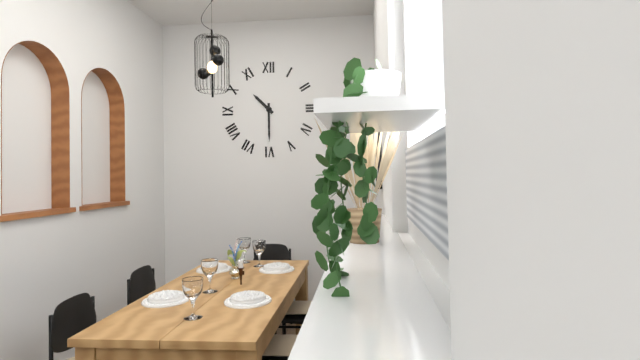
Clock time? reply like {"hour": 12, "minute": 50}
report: {"hour": 10, "minute": 30}
